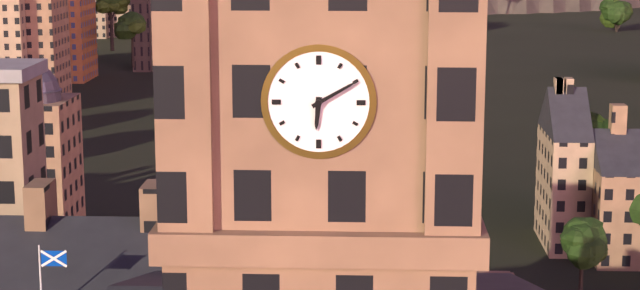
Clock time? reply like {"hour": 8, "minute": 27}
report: {"hour": 6, "minute": 10}
